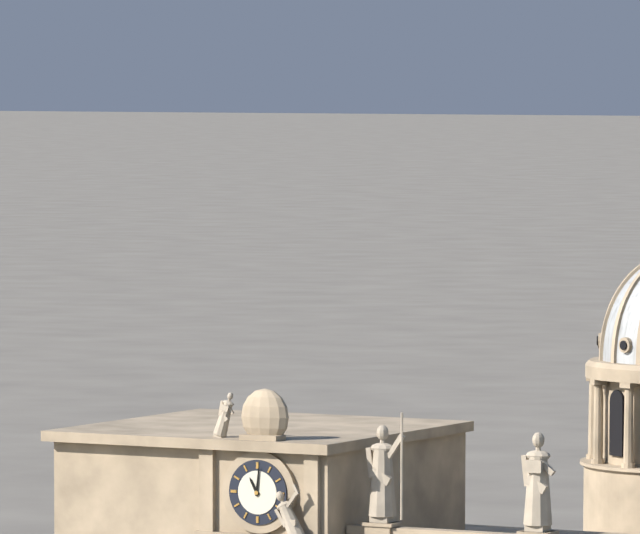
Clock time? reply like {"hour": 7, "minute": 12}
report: {"hour": 11, "minute": 1}
